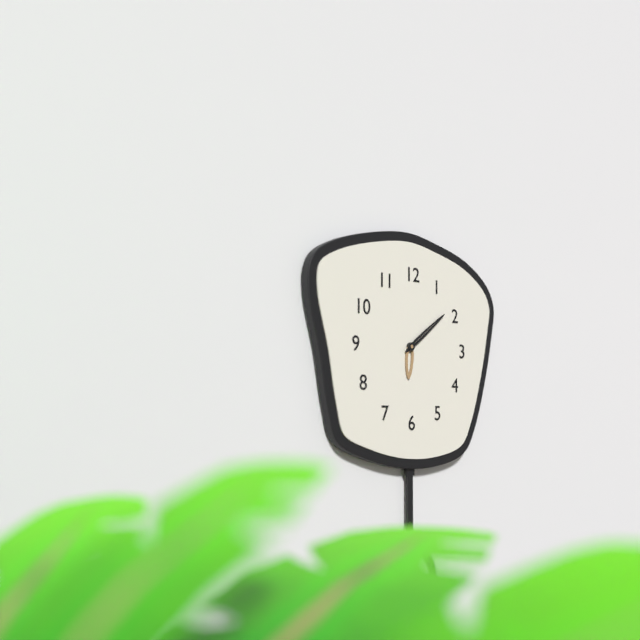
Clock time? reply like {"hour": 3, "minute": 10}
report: {"hour": 6, "minute": 9}
